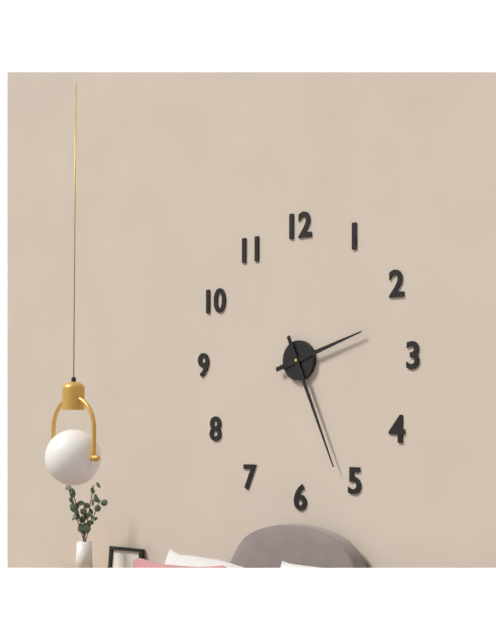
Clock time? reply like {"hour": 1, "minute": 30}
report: {"hour": 2, "minute": 26}
